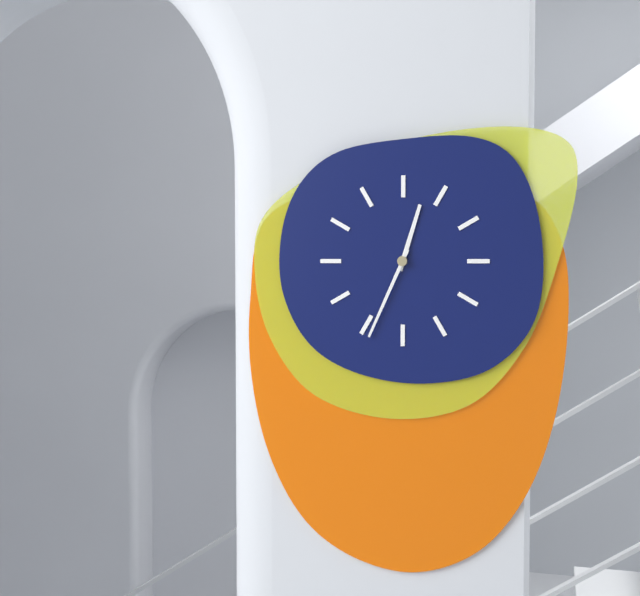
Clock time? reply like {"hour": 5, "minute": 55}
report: {"hour": 12, "minute": 34}
